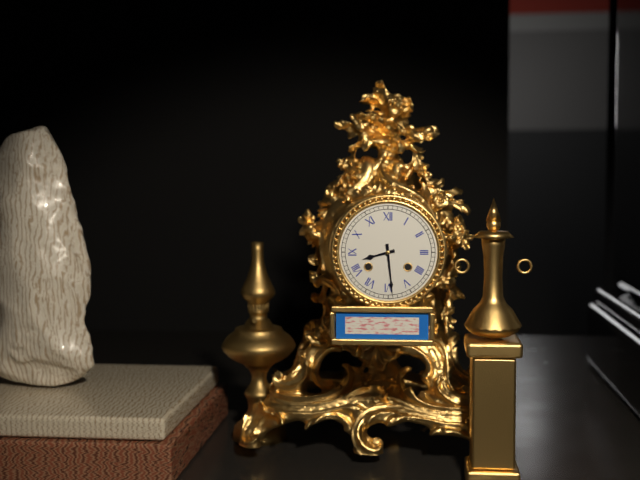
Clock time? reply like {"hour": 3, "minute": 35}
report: {"hour": 8, "minute": 29}
